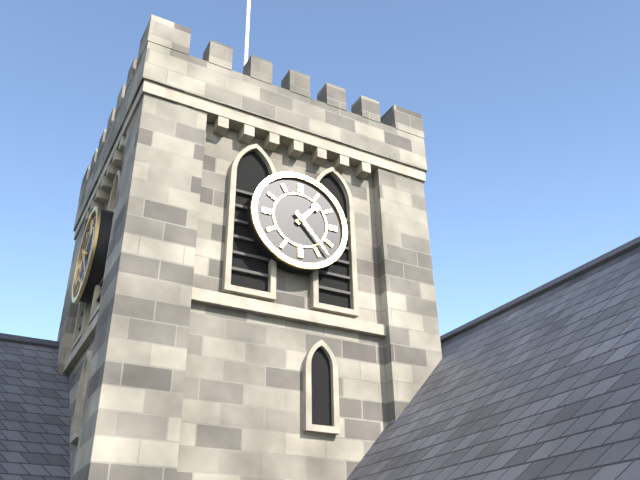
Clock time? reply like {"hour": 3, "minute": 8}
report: {"hour": 1, "minute": 23}
